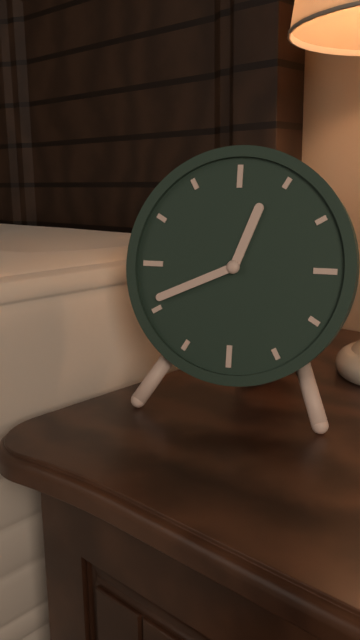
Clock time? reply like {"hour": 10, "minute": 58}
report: {"hour": 12, "minute": 41}
